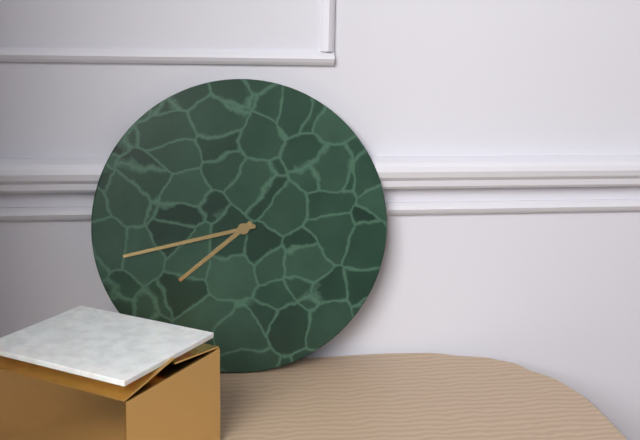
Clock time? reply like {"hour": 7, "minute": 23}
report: {"hour": 7, "minute": 43}
